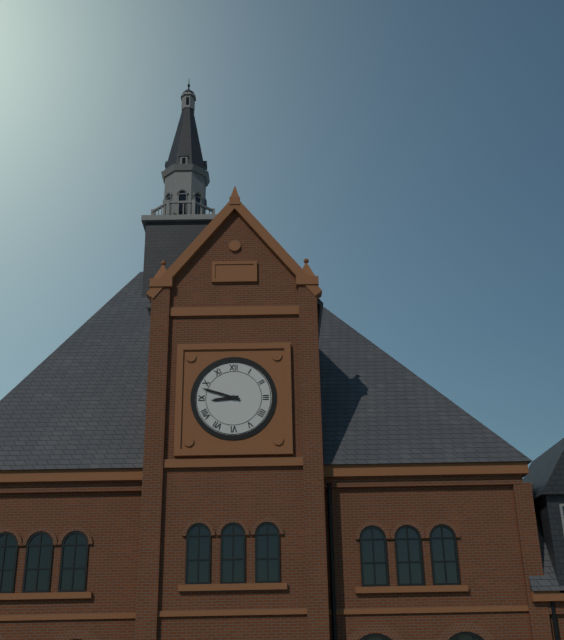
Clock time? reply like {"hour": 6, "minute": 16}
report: {"hour": 8, "minute": 48}
